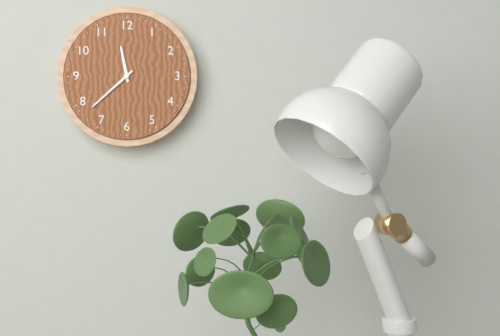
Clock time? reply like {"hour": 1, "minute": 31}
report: {"hour": 11, "minute": 38}
